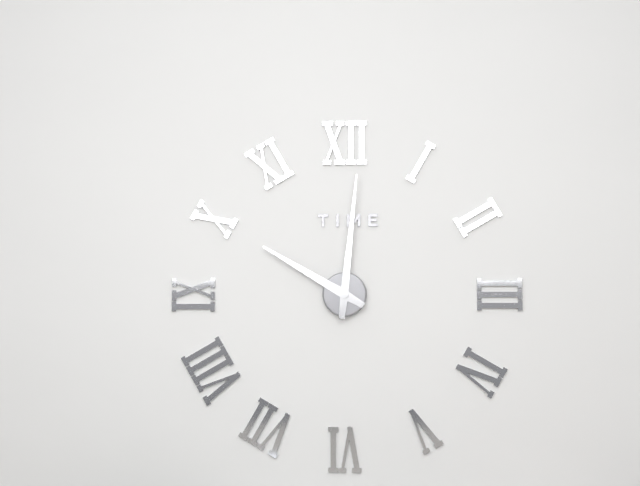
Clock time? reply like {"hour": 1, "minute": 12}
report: {"hour": 10, "minute": 1}
